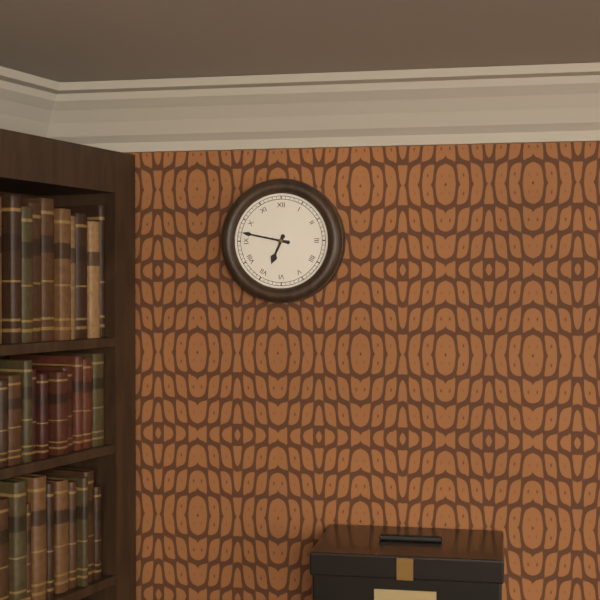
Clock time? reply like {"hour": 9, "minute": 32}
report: {"hour": 6, "minute": 47}
